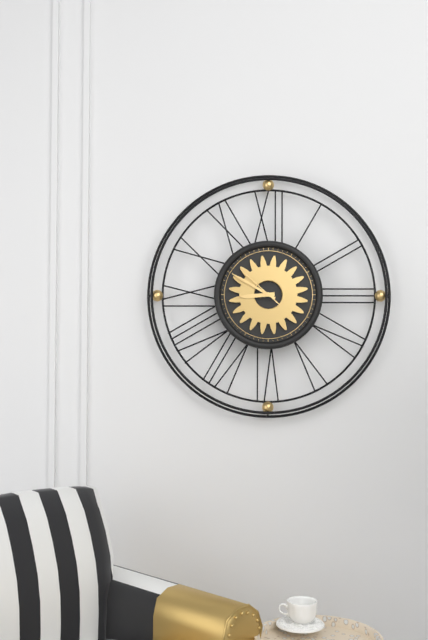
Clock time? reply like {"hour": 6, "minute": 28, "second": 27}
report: {"hour": 8, "minute": 50, "second": 52}
